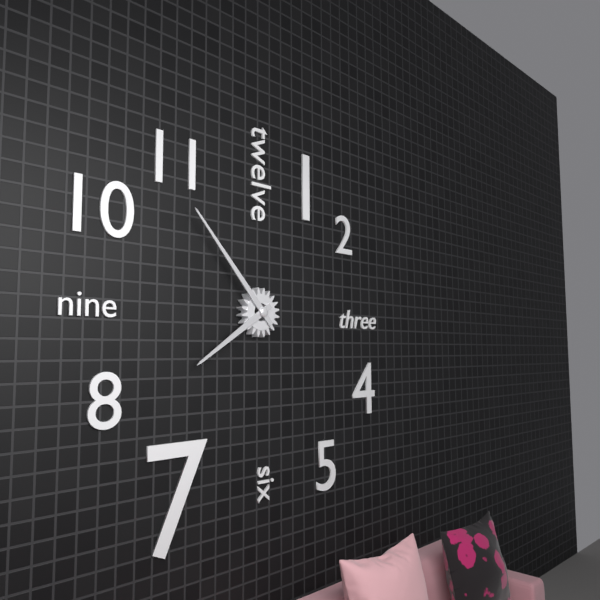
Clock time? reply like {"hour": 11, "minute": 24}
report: {"hour": 7, "minute": 53}
